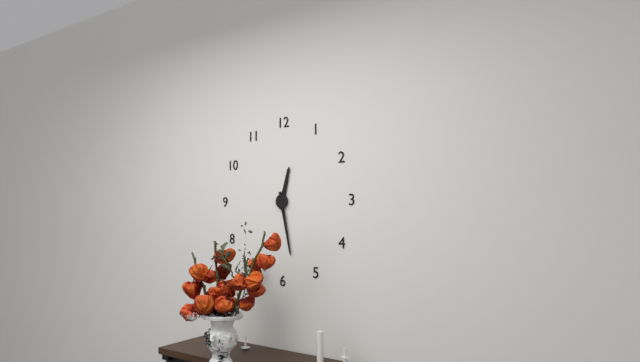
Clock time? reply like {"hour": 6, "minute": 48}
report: {"hour": 12, "minute": 28}
